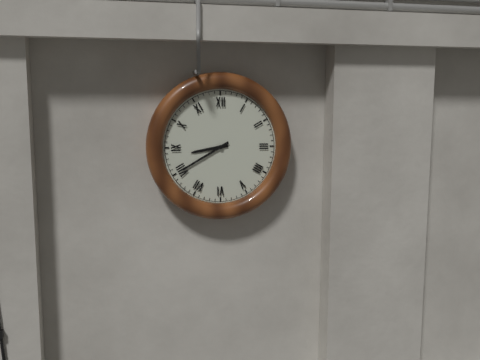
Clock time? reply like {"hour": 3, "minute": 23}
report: {"hour": 8, "minute": 40}
